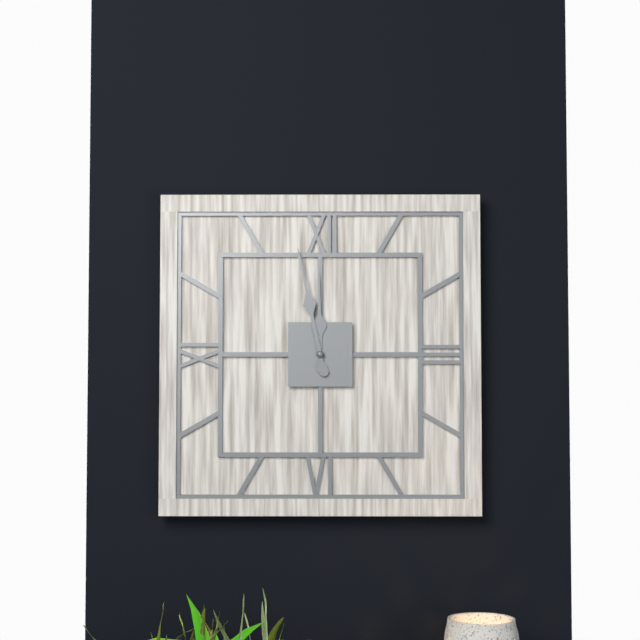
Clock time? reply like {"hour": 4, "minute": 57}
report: {"hour": 11, "minute": 58}
